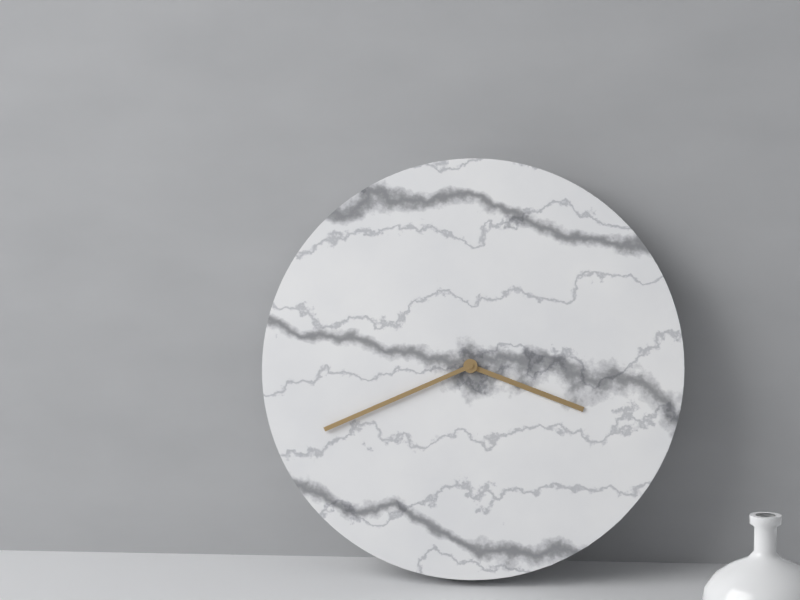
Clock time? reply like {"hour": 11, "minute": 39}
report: {"hour": 3, "minute": 41}
